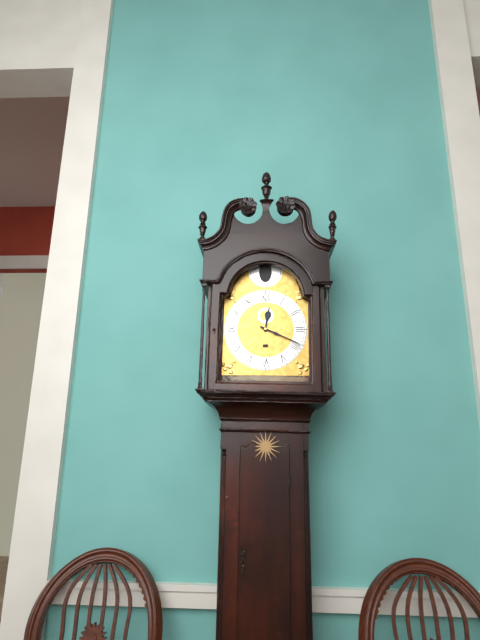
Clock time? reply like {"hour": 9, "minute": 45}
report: {"hour": 12, "minute": 19}
